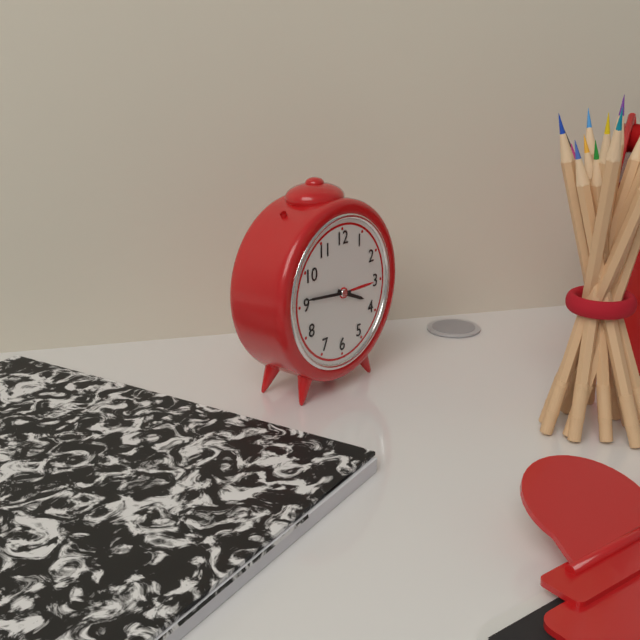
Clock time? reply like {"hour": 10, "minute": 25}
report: {"hour": 3, "minute": 46}
